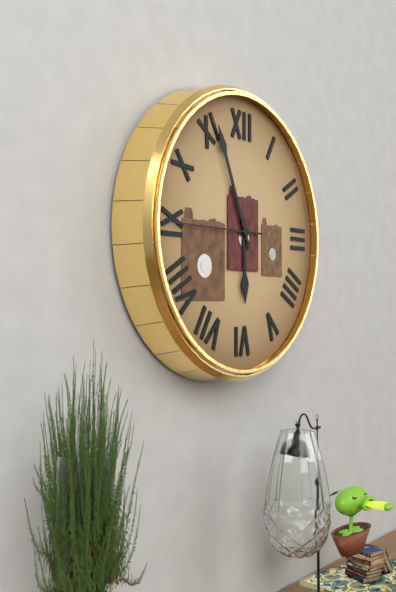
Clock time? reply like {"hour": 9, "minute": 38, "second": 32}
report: {"hour": 5, "minute": 56, "second": 45}
